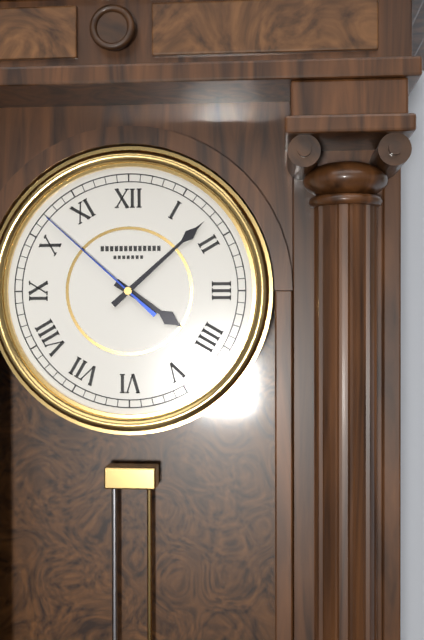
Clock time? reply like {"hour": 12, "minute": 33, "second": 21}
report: {"hour": 4, "minute": 8, "second": 52}
